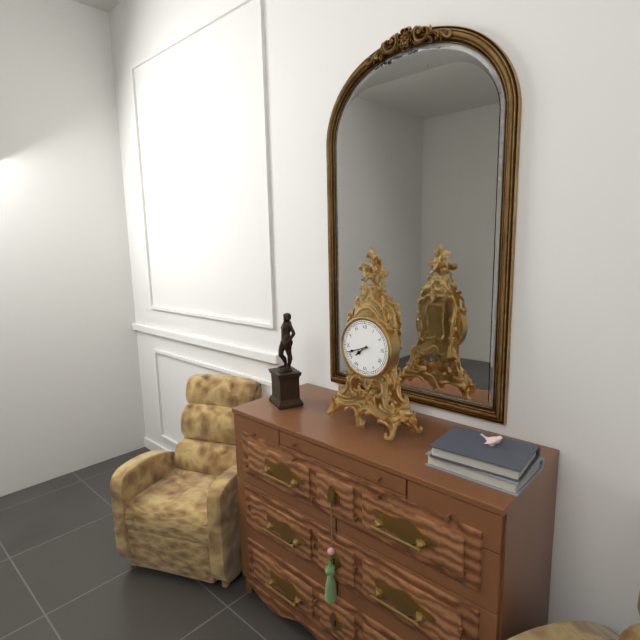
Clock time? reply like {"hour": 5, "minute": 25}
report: {"hour": 7, "minute": 42}
